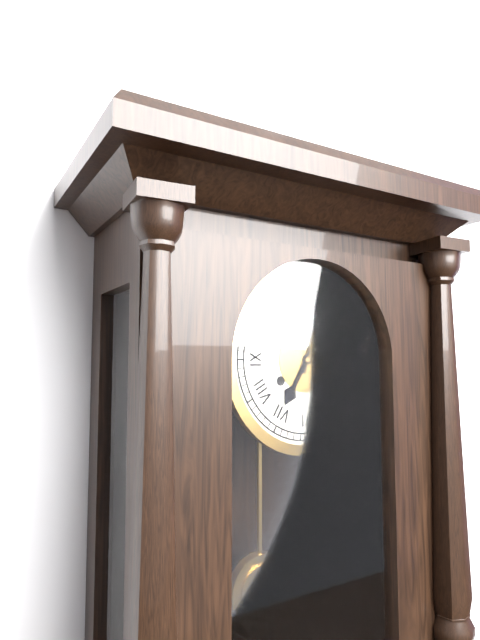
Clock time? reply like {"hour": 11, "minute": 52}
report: {"hour": 7, "minute": 3}
